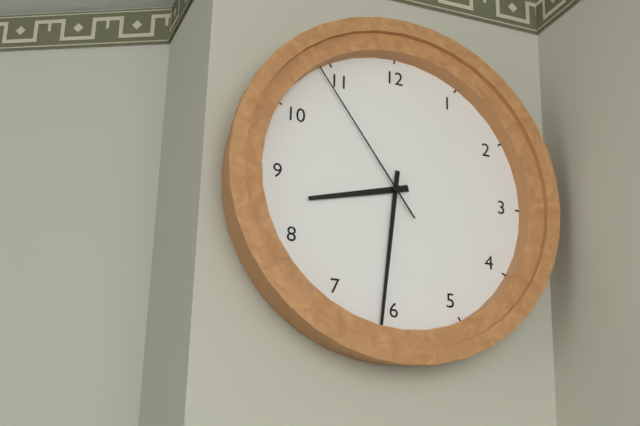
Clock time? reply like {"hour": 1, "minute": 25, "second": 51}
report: {"hour": 8, "minute": 31, "second": 54}
